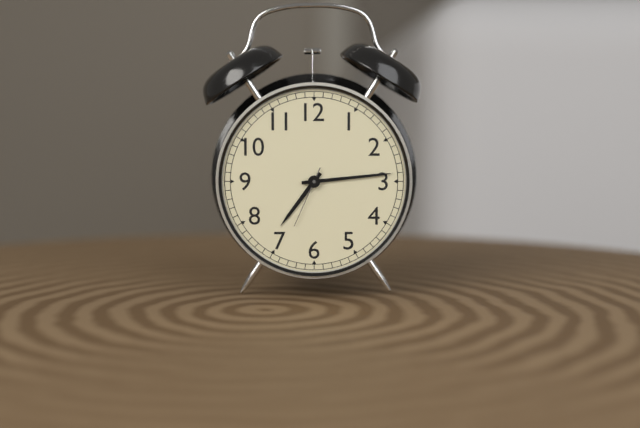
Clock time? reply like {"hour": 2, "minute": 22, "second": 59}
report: {"hour": 7, "minute": 14, "second": 34}
